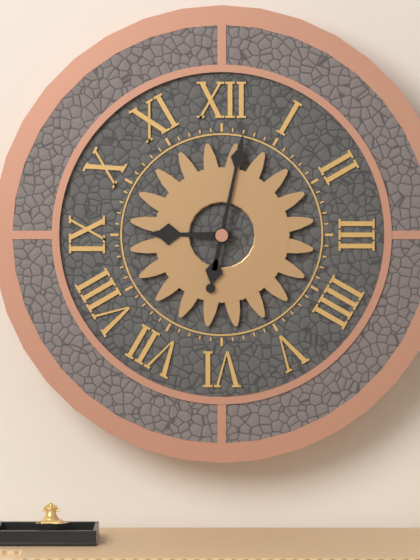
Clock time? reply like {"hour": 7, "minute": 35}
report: {"hour": 9, "minute": 2}
